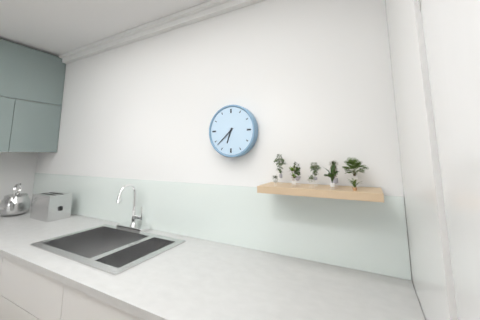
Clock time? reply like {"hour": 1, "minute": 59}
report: {"hour": 6, "minute": 38}
